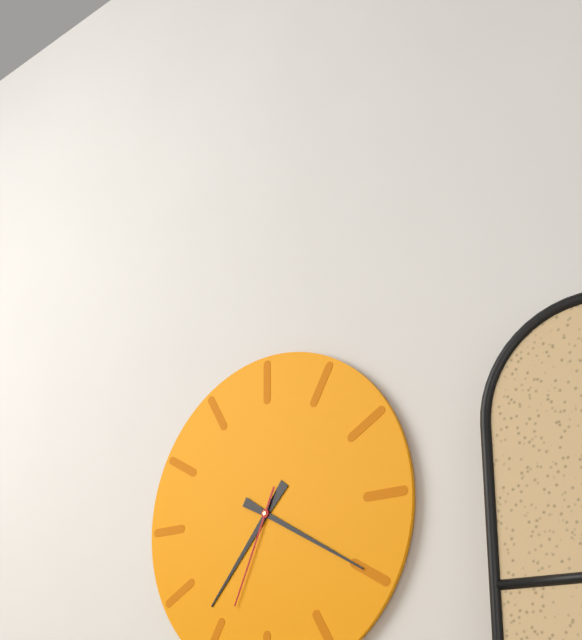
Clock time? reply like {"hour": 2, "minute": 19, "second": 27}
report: {"hour": 7, "minute": 20, "second": 34}
